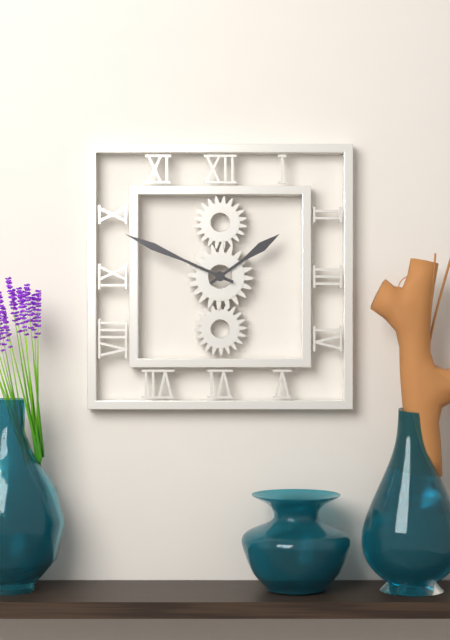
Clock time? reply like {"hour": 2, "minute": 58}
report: {"hour": 1, "minute": 49}
